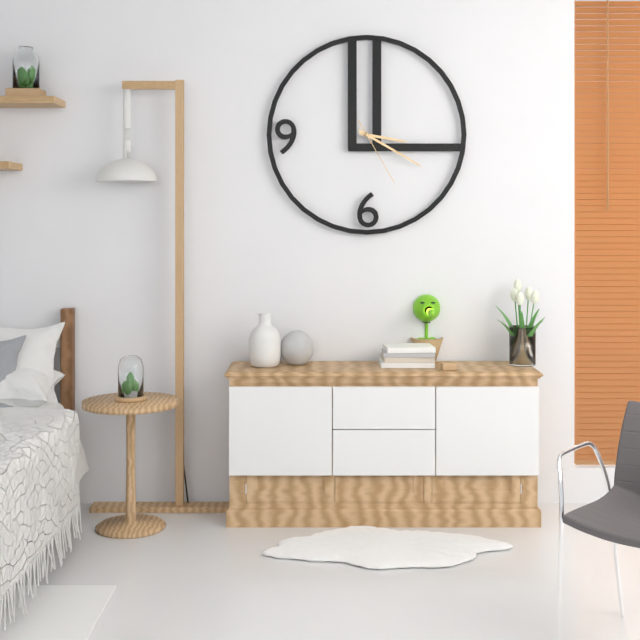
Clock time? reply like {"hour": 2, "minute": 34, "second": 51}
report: {"hour": 3, "minute": 20, "second": 25}
